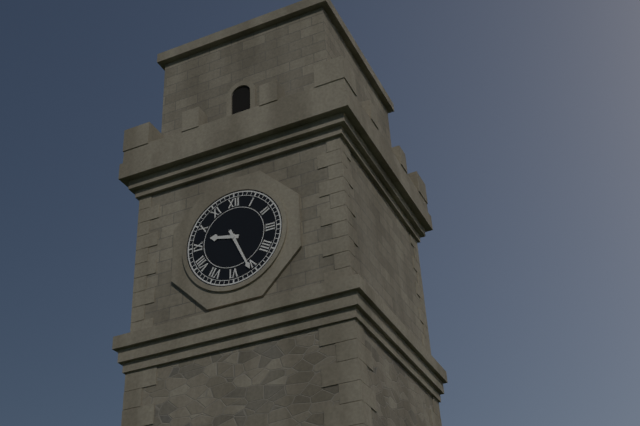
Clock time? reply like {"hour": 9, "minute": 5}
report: {"hour": 9, "minute": 26}
